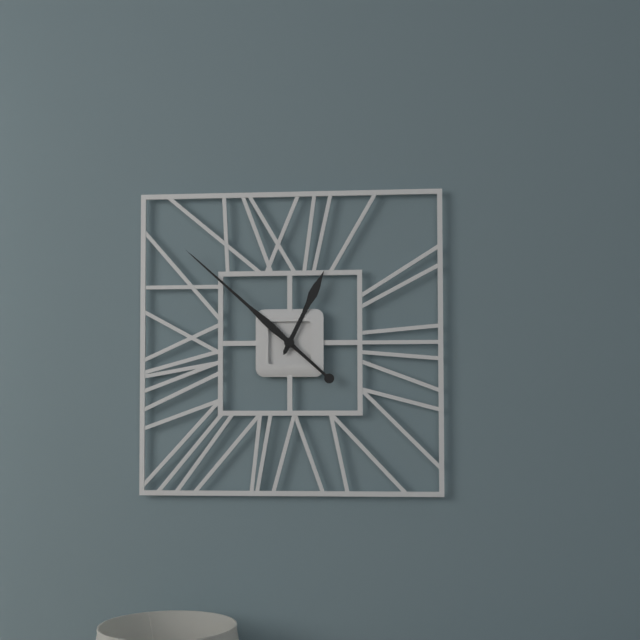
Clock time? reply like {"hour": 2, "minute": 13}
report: {"hour": 12, "minute": 52}
